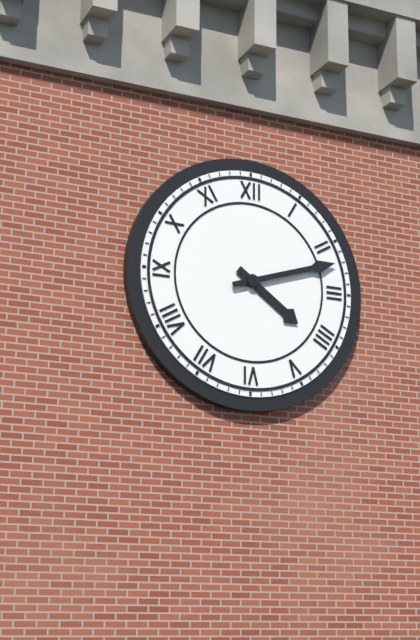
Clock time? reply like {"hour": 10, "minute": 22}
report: {"hour": 4, "minute": 12}
